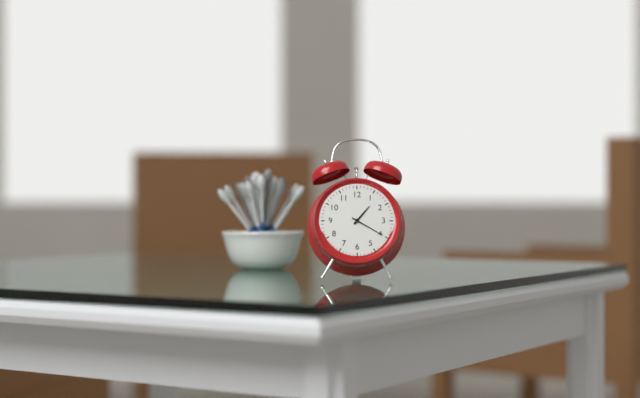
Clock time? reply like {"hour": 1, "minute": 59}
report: {"hour": 1, "minute": 20}
